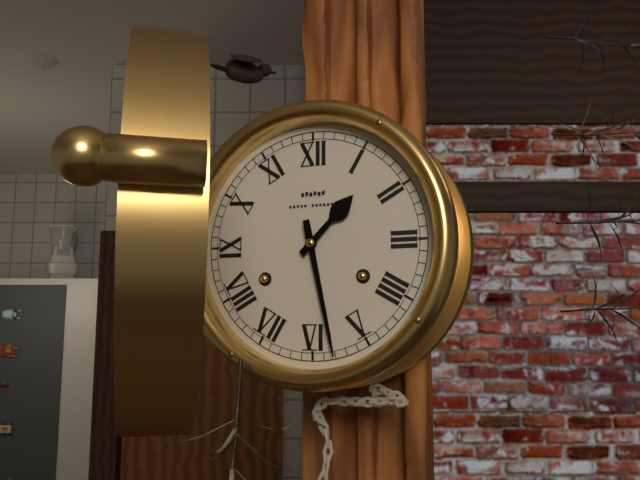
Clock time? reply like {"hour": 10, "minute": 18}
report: {"hour": 1, "minute": 28}
